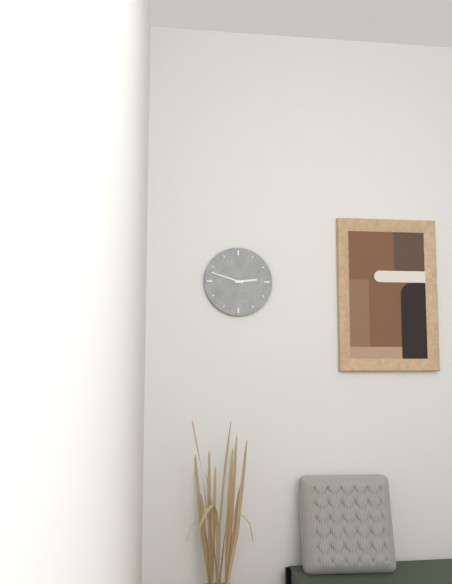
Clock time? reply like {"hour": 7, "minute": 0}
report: {"hour": 2, "minute": 48}
